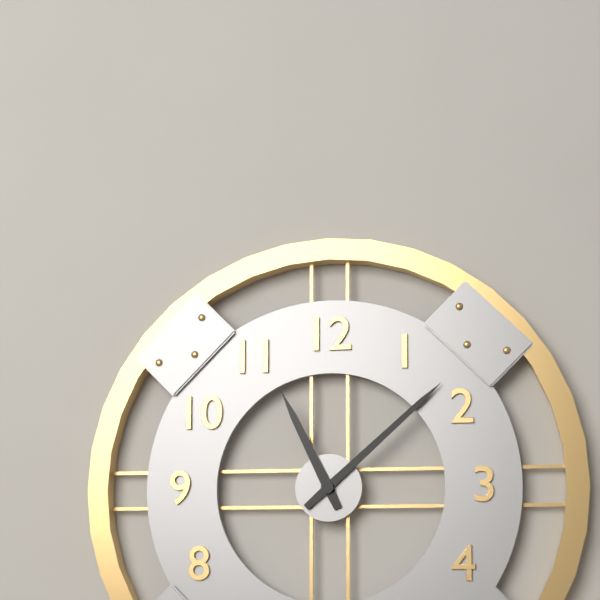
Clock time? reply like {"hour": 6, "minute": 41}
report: {"hour": 11, "minute": 8}
